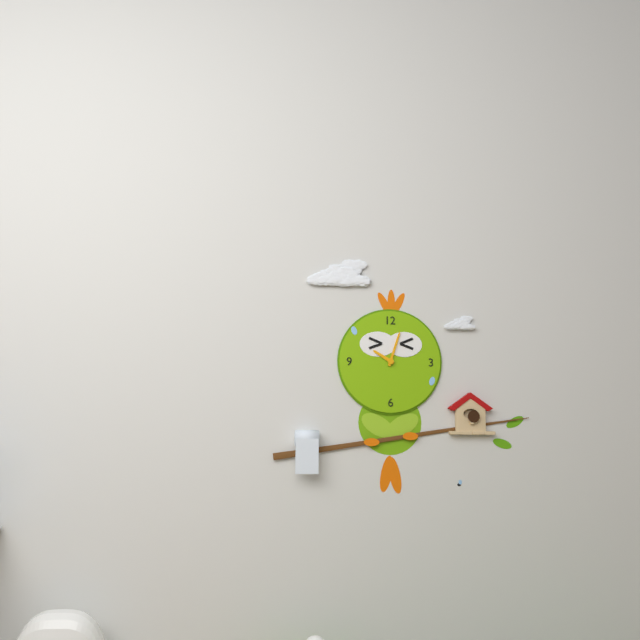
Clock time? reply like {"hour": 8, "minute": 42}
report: {"hour": 10, "minute": 3}
